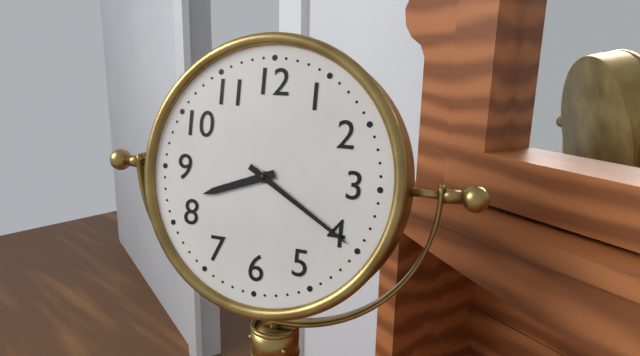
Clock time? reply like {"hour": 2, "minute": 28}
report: {"hour": 8, "minute": 20}
